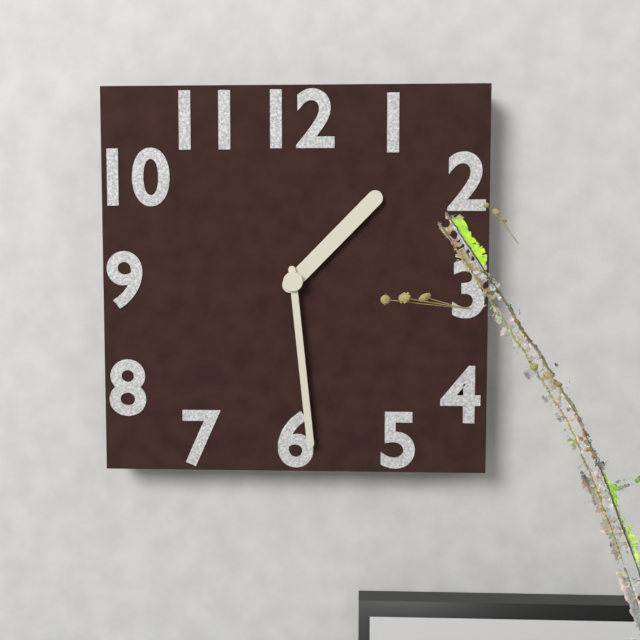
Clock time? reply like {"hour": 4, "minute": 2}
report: {"hour": 1, "minute": 29}
